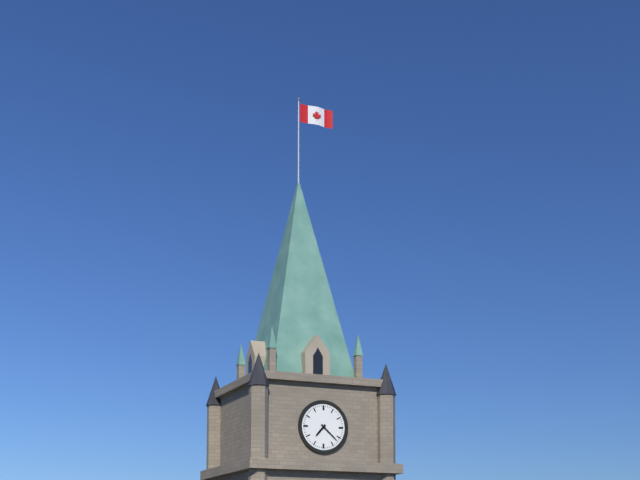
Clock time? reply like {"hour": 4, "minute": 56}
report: {"hour": 7, "minute": 22}
